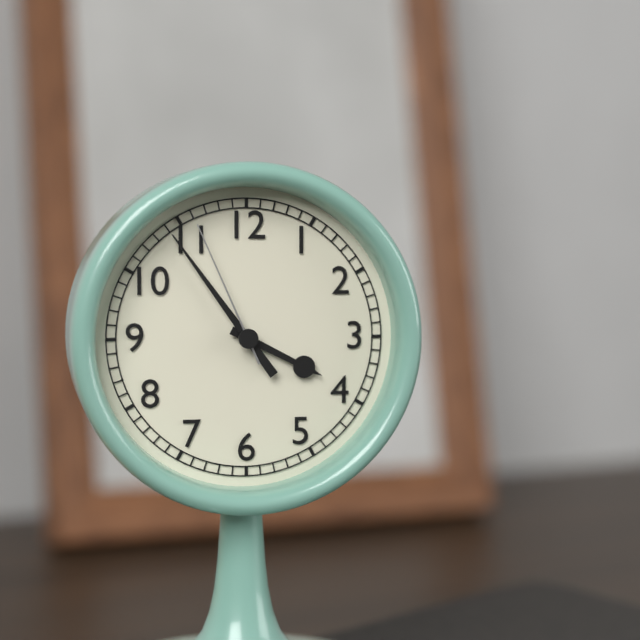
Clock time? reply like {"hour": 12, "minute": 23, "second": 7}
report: {"hour": 3, "minute": 54, "second": 56}
